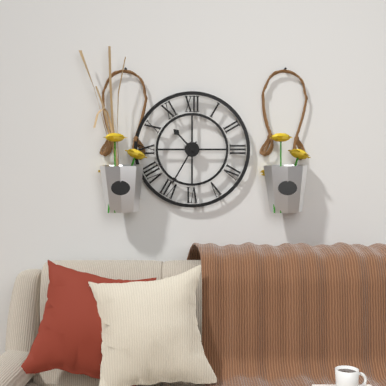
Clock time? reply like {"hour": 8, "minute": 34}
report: {"hour": 10, "minute": 35}
